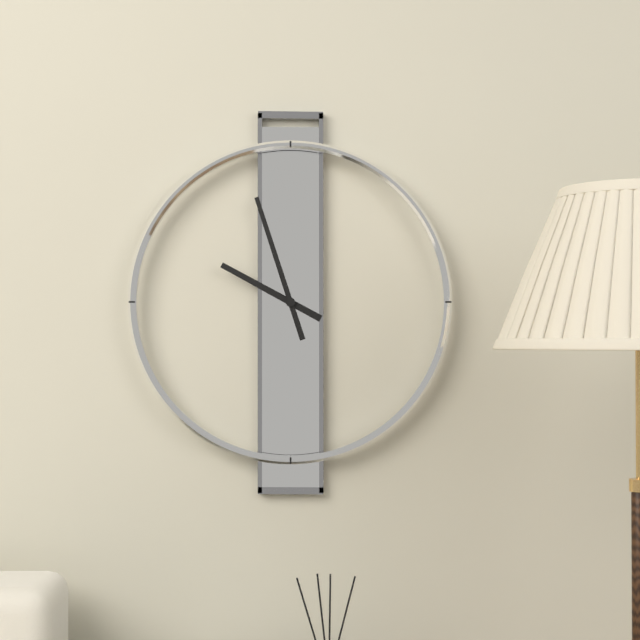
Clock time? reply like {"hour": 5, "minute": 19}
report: {"hour": 9, "minute": 57}
